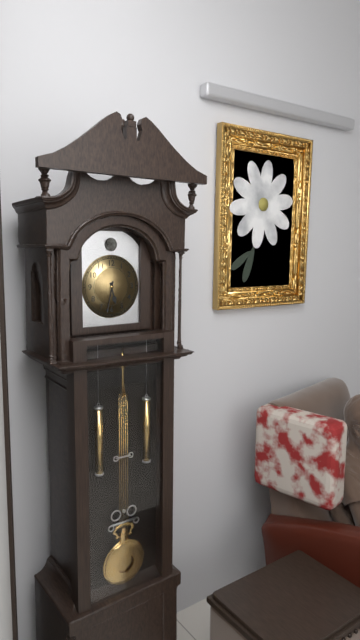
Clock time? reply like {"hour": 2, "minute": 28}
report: {"hour": 5, "minute": 32}
